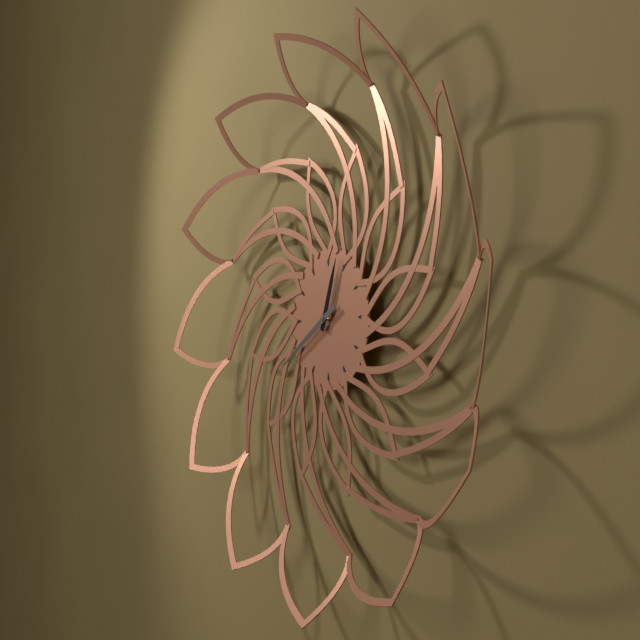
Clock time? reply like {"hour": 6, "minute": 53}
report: {"hour": 12, "minute": 40}
